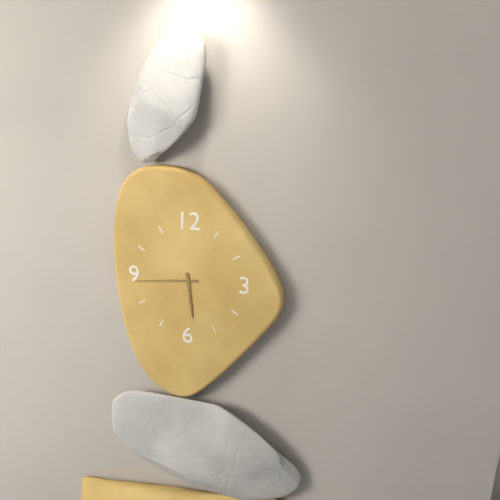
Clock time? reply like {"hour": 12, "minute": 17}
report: {"hour": 5, "minute": 44}
